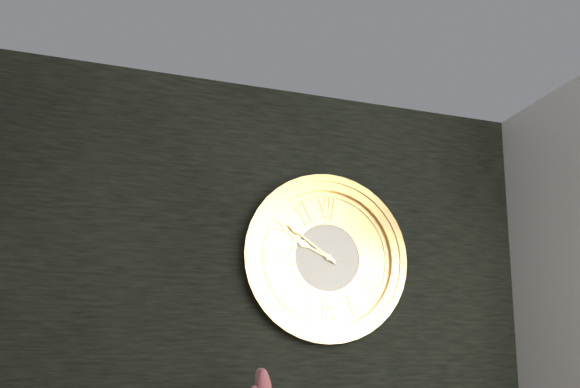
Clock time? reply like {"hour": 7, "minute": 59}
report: {"hour": 9, "minute": 51}
